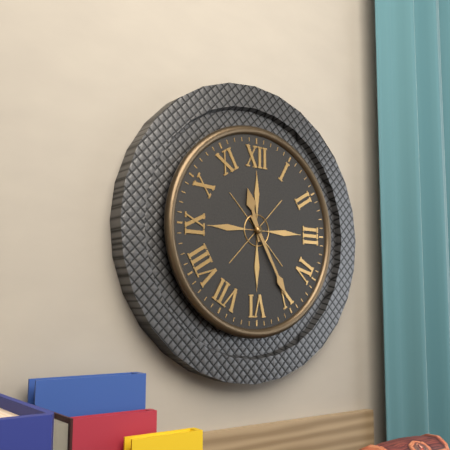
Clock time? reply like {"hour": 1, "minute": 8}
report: {"hour": 11, "minute": 25}
